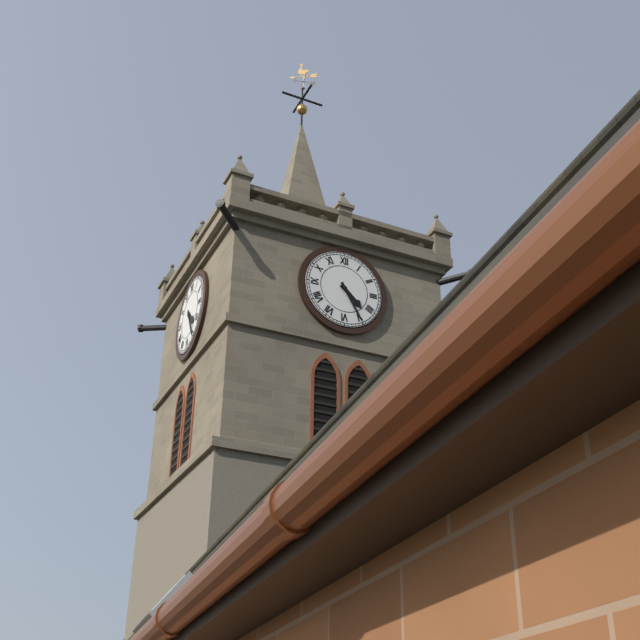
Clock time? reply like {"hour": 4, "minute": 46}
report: {"hour": 4, "minute": 25}
